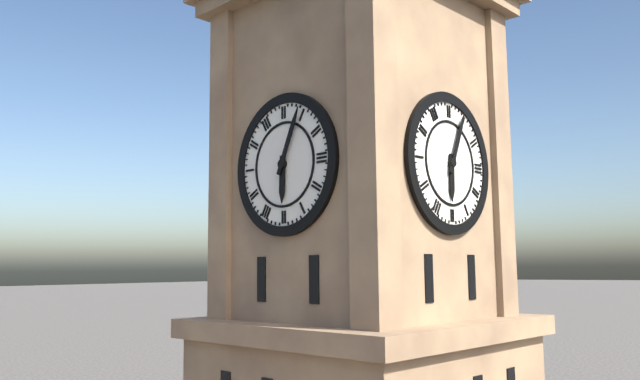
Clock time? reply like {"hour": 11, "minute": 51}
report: {"hour": 6, "minute": 4}
